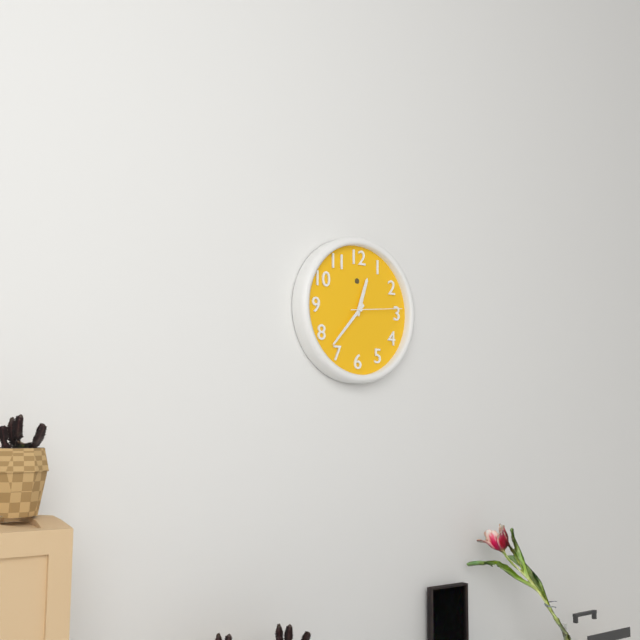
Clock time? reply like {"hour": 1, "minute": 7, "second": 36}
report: {"hour": 12, "minute": 37, "second": 14}
